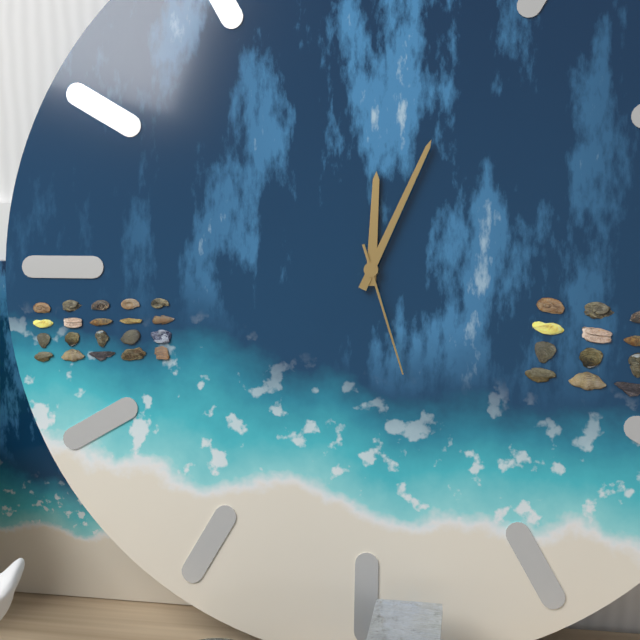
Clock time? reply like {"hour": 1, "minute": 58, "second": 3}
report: {"hour": 12, "minute": 4, "second": 27}
